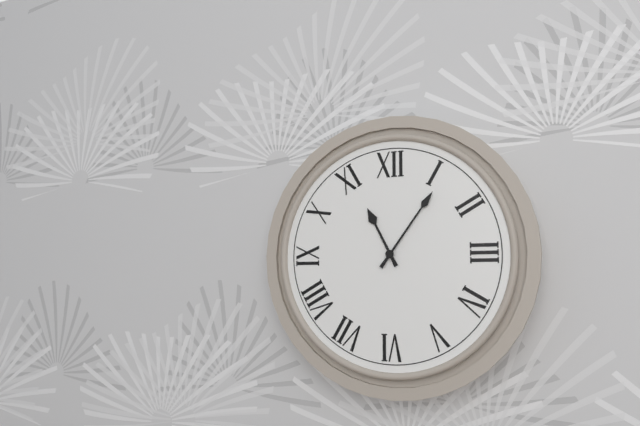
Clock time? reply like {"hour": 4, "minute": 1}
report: {"hour": 11, "minute": 6}
